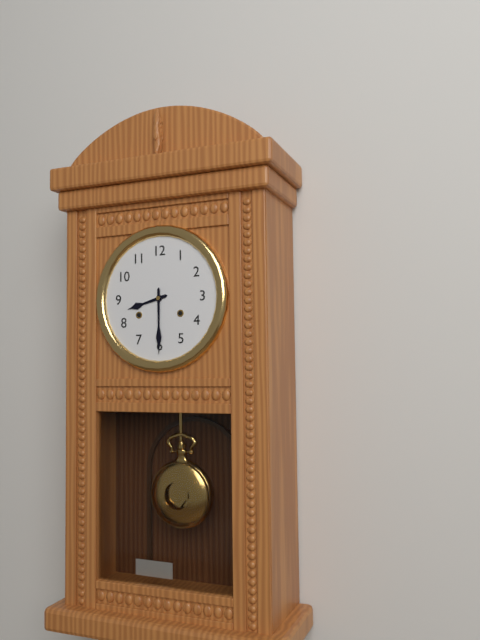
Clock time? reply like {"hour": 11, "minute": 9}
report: {"hour": 8, "minute": 30}
